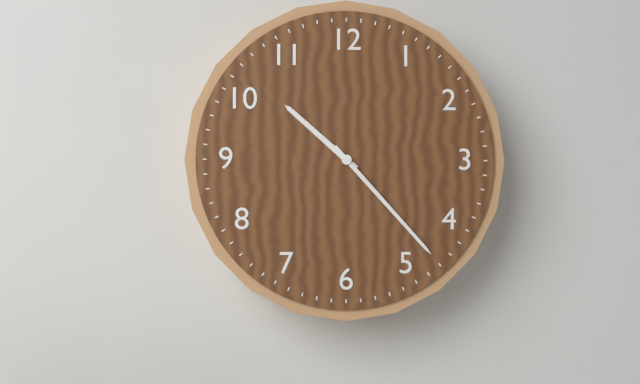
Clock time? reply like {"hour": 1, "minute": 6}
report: {"hour": 10, "minute": 23}
